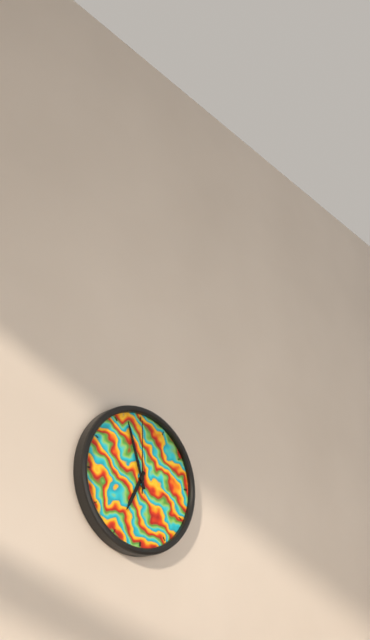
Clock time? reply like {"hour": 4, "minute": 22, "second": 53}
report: {"hour": 6, "minute": 57, "second": 0}
